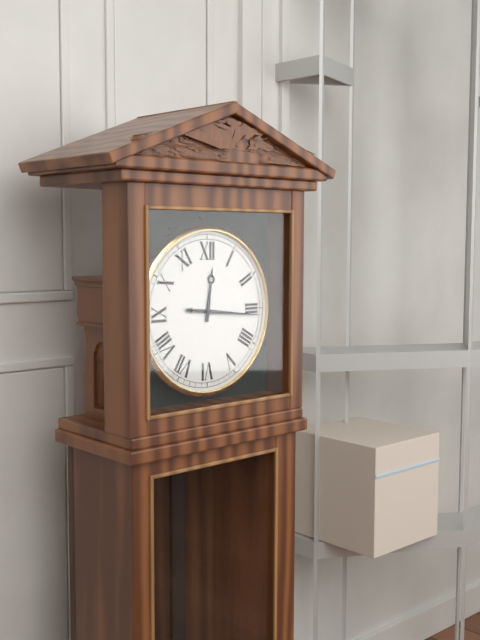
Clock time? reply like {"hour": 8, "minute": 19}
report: {"hour": 12, "minute": 16}
